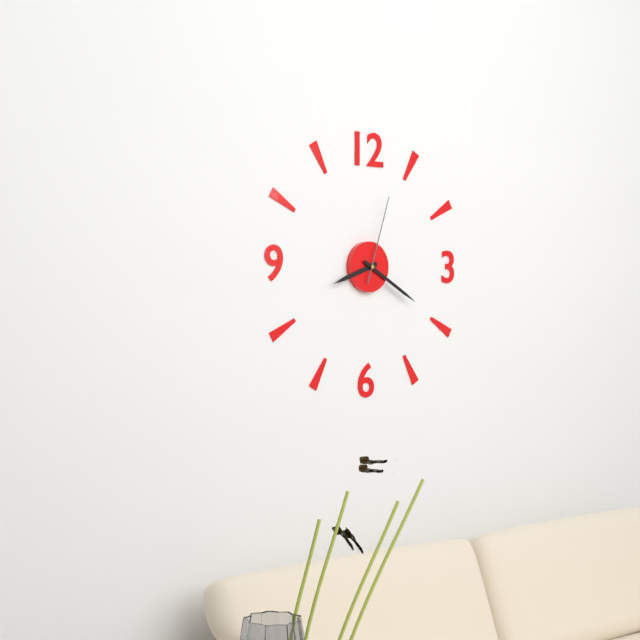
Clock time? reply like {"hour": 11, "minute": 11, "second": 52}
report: {"hour": 8, "minute": 20, "second": 3}
